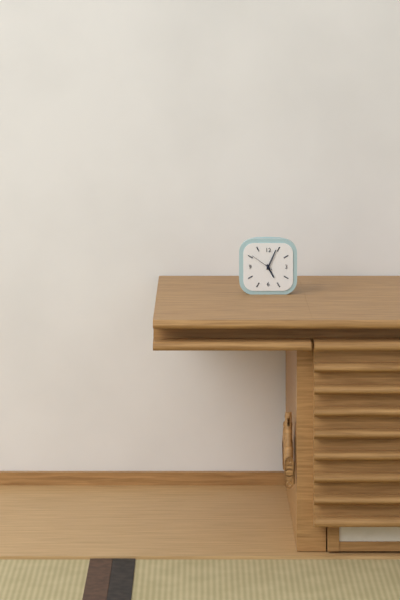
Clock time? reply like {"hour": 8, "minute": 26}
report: {"hour": 5, "minute": 4}
